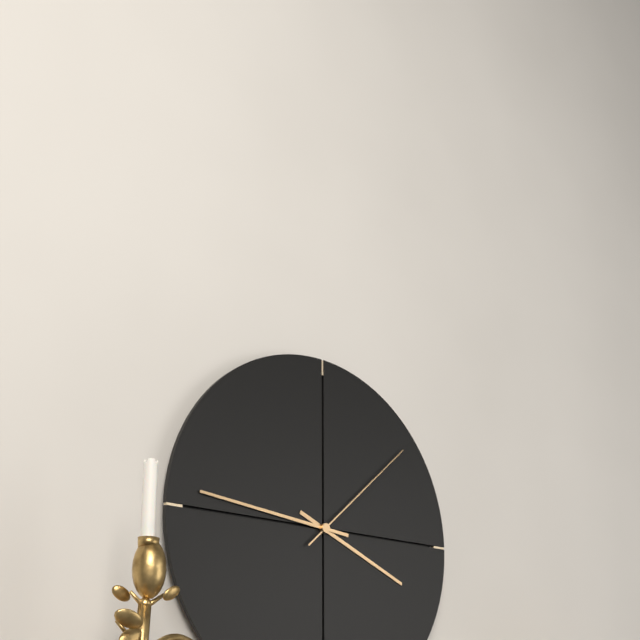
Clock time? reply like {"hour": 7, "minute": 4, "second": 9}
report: {"hour": 3, "minute": 46, "second": 8}
